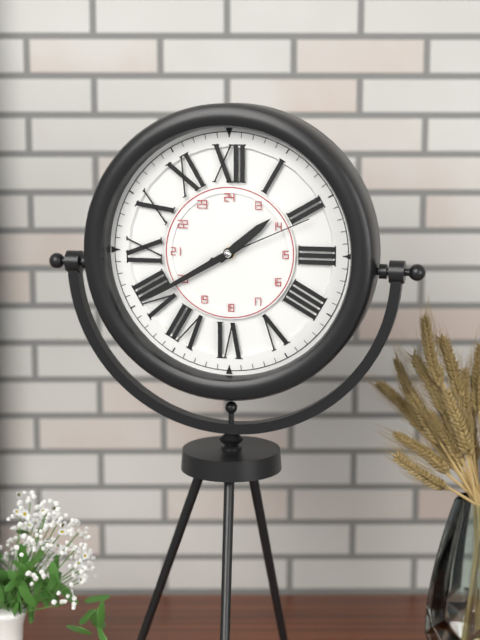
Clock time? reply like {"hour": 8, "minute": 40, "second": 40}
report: {"hour": 1, "minute": 40, "second": 11}
